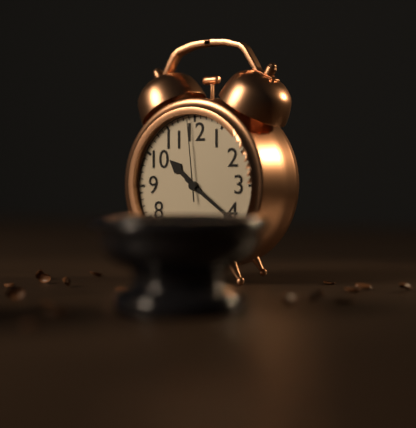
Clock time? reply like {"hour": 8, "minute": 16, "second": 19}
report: {"hour": 10, "minute": 21, "second": 59}
